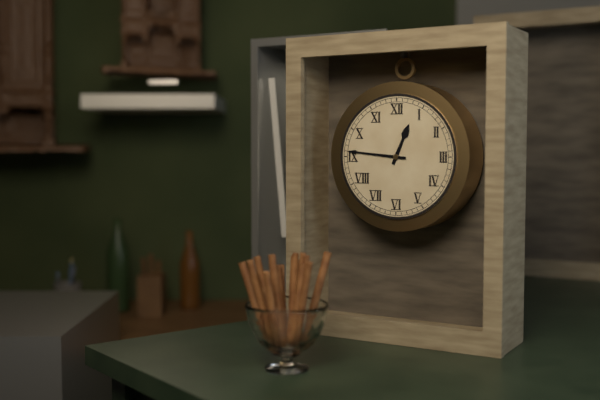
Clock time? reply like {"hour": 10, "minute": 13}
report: {"hour": 12, "minute": 46}
